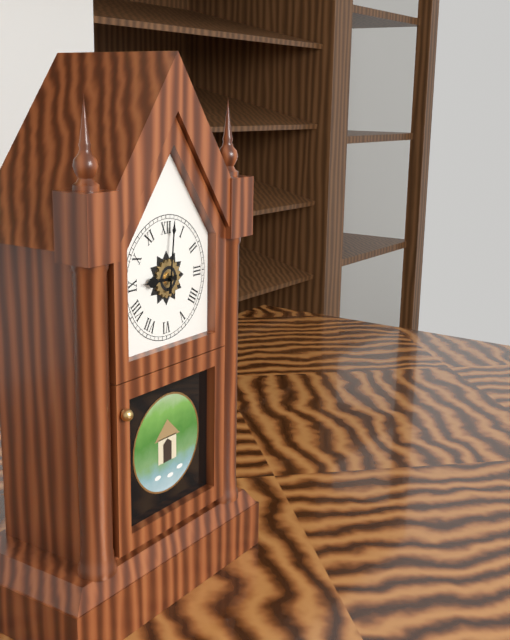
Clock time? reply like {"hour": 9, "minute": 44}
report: {"hour": 9, "minute": 1}
